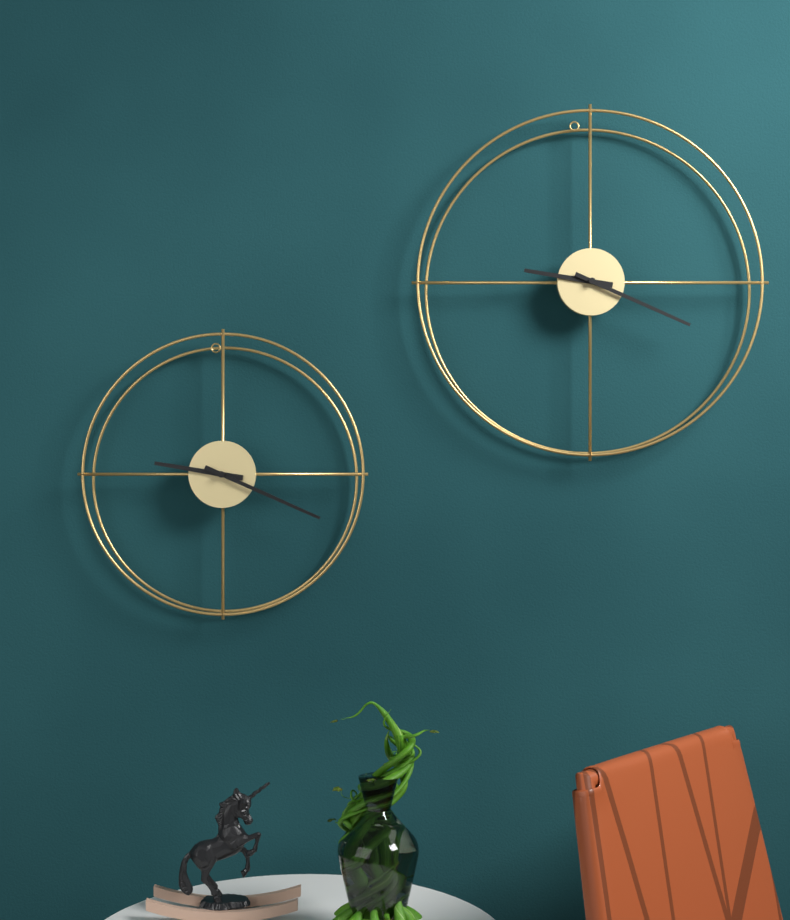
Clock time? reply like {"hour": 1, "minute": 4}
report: {"hour": 9, "minute": 19}
